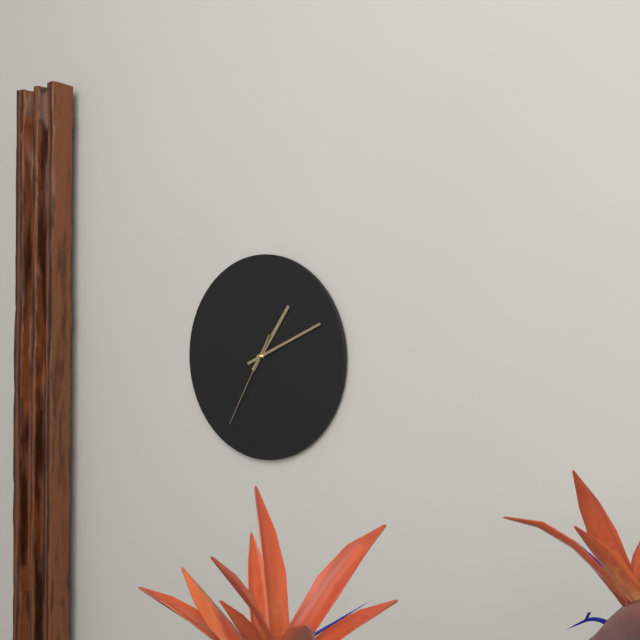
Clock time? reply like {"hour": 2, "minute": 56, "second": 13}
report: {"hour": 1, "minute": 11, "second": 35}
